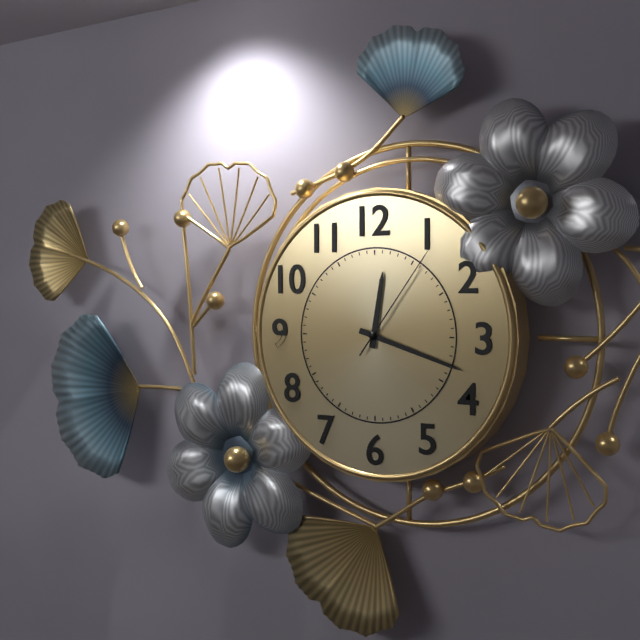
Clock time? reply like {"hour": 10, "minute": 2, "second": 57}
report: {"hour": 12, "minute": 18, "second": 6}
